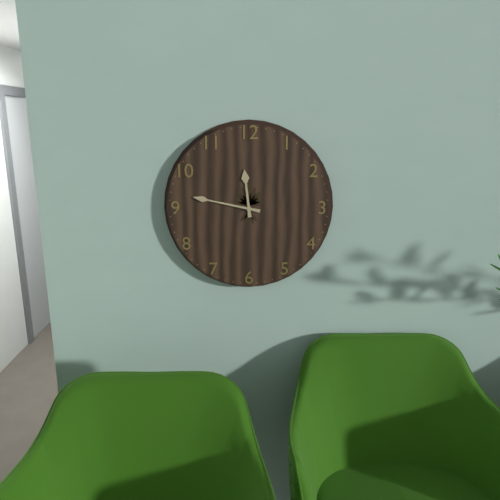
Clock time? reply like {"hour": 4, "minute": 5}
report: {"hour": 11, "minute": 47}
